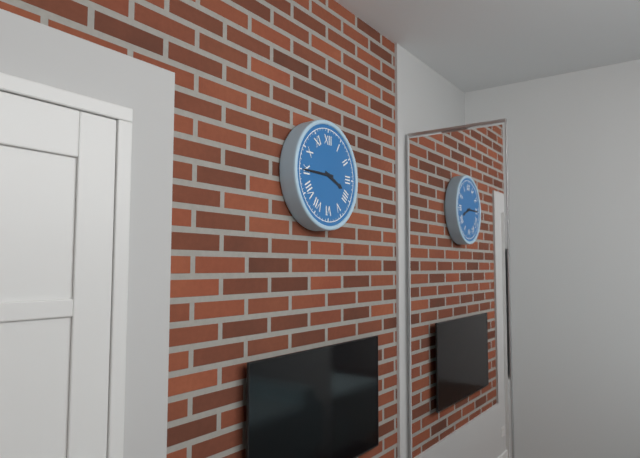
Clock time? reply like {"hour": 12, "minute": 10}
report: {"hour": 3, "minute": 45}
